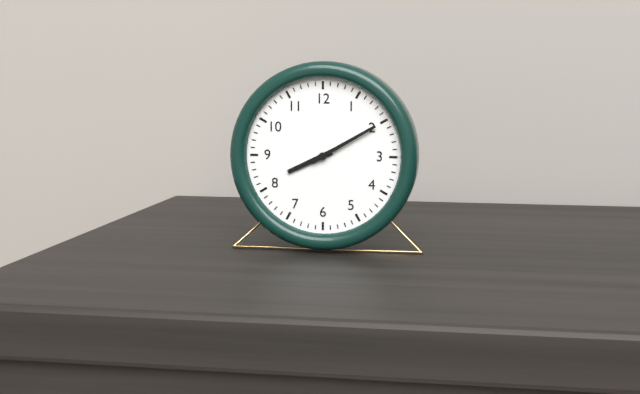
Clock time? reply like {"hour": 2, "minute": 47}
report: {"hour": 8, "minute": 10}
